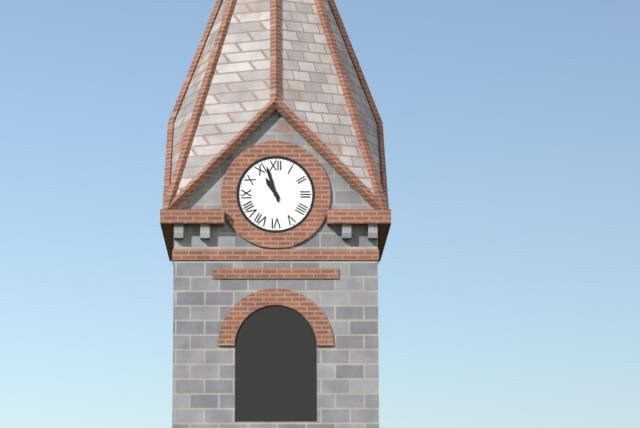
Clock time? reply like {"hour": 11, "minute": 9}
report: {"hour": 10, "minute": 57}
